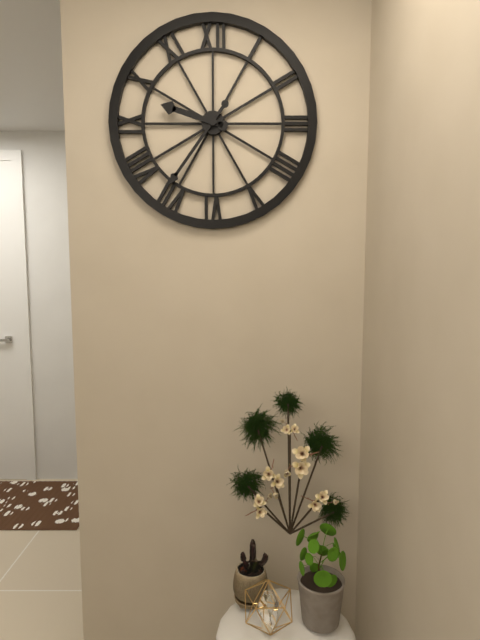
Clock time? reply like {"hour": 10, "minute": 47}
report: {"hour": 9, "minute": 36}
